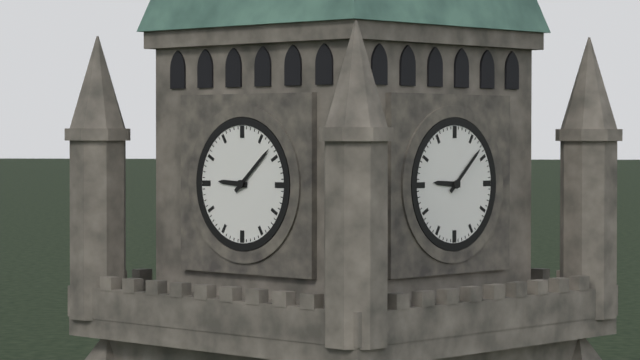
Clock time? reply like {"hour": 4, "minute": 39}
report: {"hour": 9, "minute": 8}
